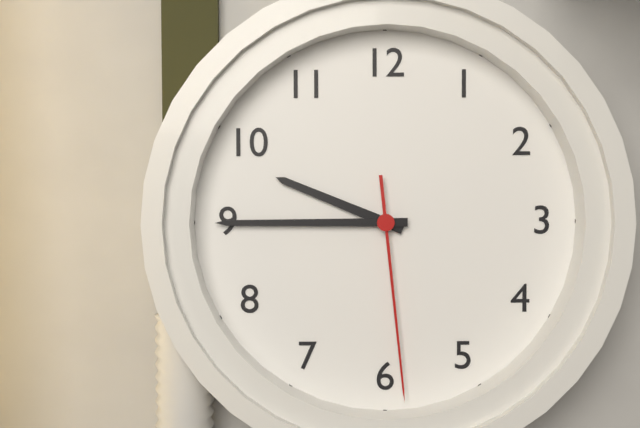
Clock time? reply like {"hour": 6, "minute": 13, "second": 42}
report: {"hour": 9, "minute": 45, "second": 29}
